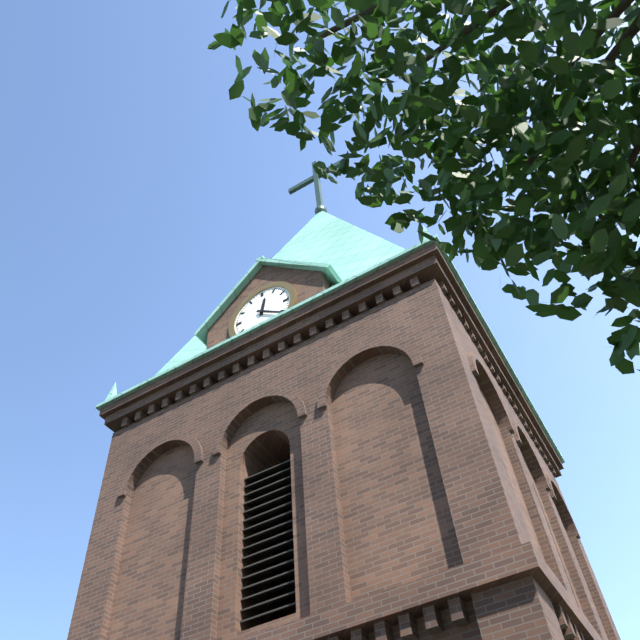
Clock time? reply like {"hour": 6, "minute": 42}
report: {"hour": 12, "minute": 21}
